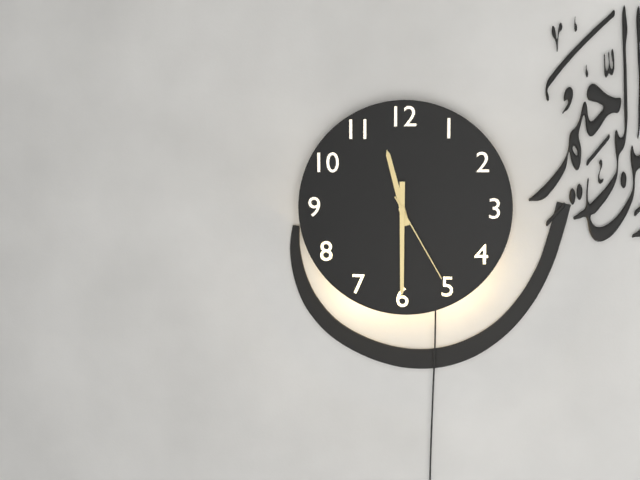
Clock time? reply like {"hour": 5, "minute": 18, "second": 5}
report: {"hour": 11, "minute": 30, "second": 25}
